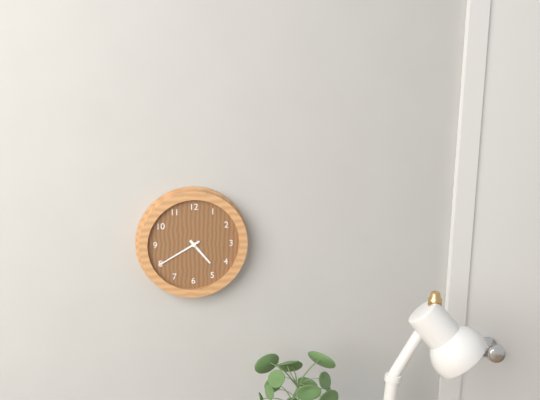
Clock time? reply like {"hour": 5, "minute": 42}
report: {"hour": 4, "minute": 40}
